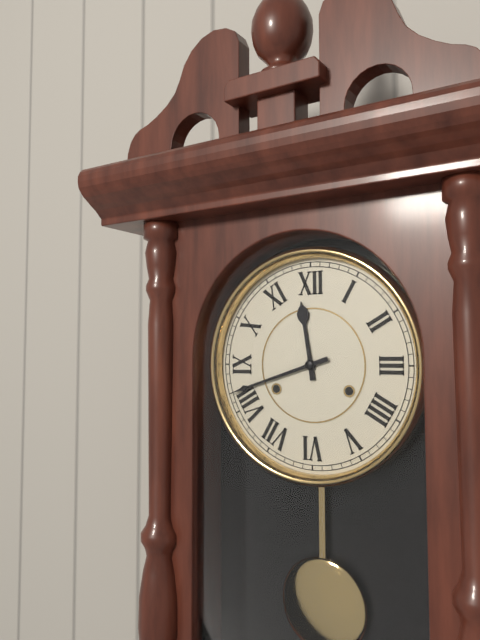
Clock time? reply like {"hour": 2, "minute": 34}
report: {"hour": 11, "minute": 42}
